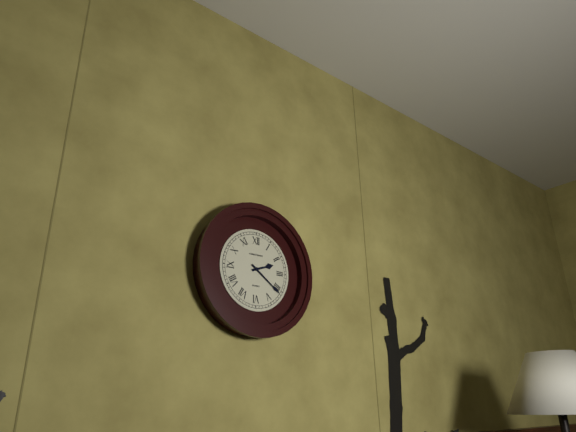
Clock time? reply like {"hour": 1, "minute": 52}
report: {"hour": 2, "minute": 21}
